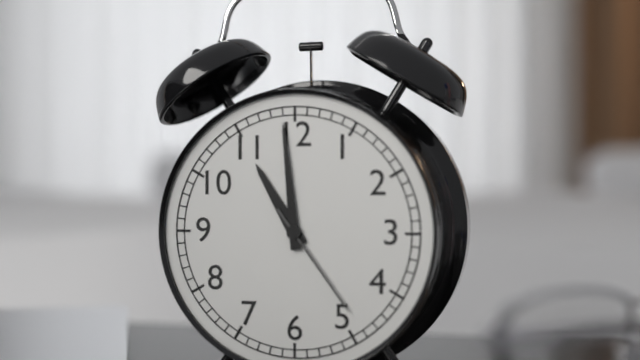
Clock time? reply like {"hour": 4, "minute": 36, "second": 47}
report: {"hour": 10, "minute": 59, "second": 24}
